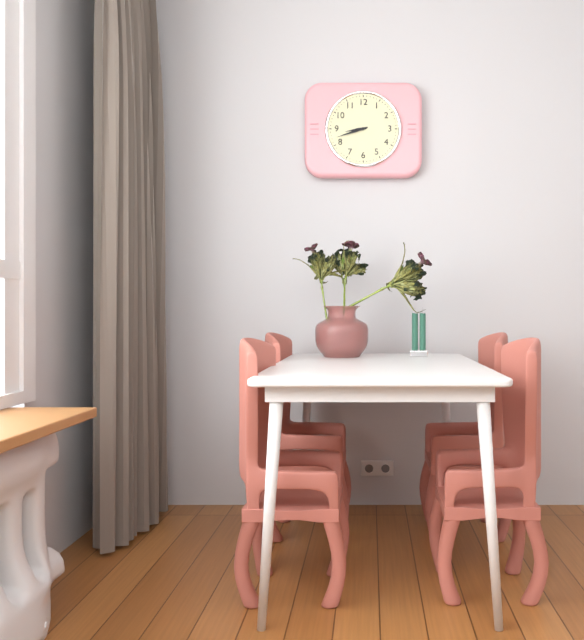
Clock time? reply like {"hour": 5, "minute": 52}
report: {"hour": 8, "minute": 42}
